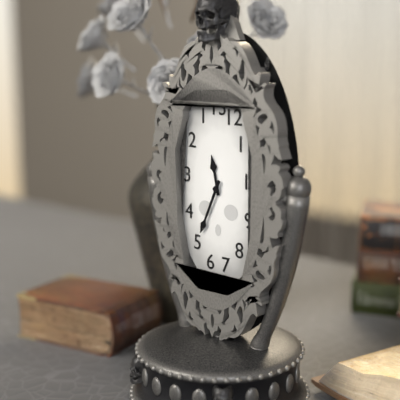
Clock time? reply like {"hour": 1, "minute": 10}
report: {"hour": 11, "minute": 34}
